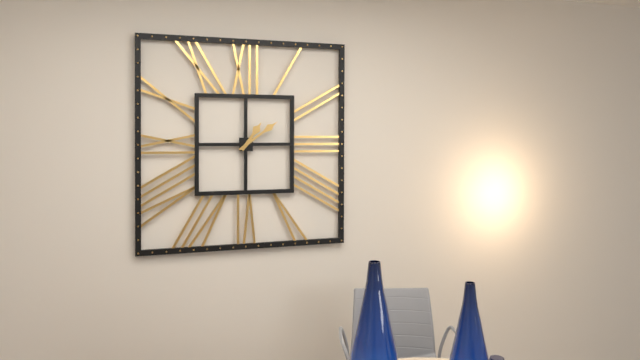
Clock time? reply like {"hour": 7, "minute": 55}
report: {"hour": 1, "minute": 9}
